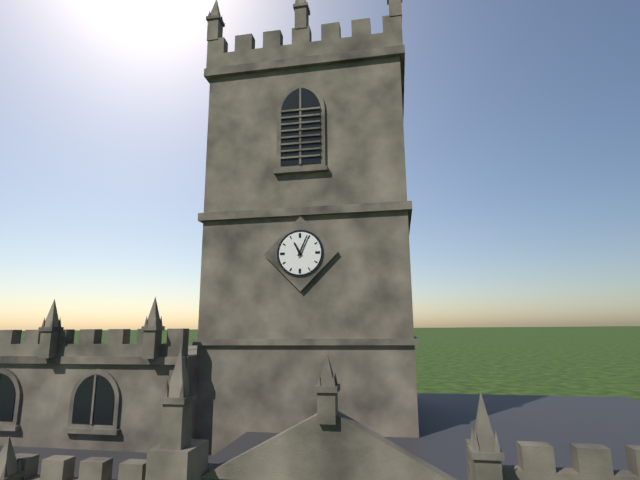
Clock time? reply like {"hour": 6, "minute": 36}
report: {"hour": 11, "minute": 4}
